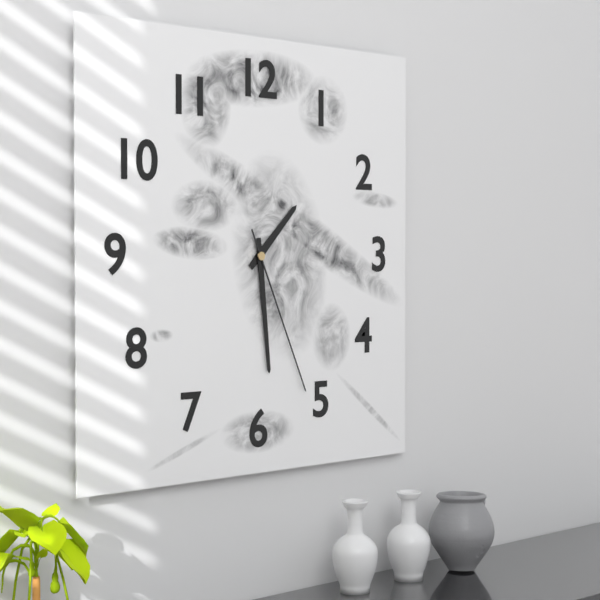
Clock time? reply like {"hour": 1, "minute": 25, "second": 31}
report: {"hour": 1, "minute": 29, "second": 26}
